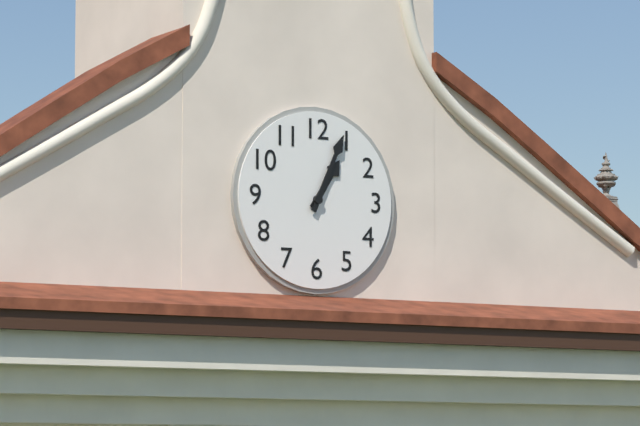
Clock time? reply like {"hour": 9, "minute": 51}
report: {"hour": 1, "minute": 4}
